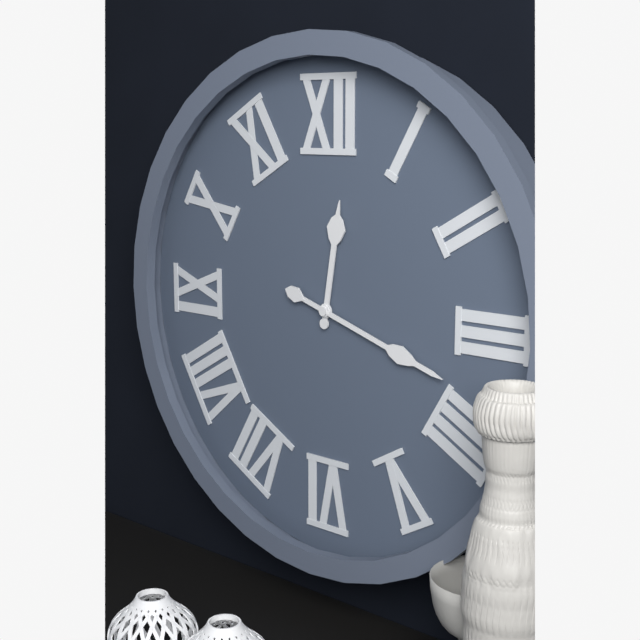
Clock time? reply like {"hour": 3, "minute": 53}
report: {"hour": 12, "minute": 18}
